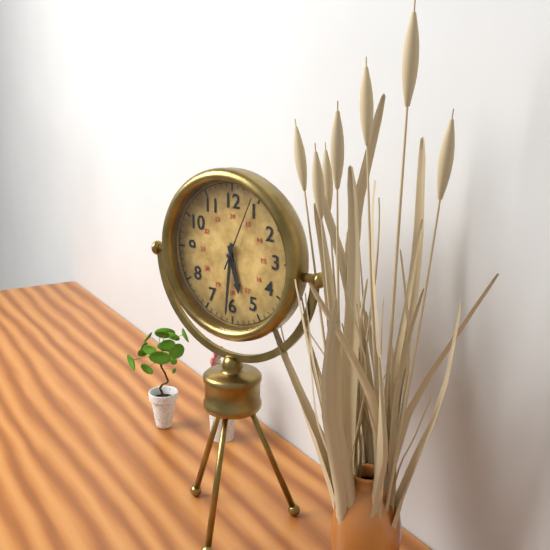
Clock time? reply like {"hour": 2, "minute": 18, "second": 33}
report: {"hour": 5, "minute": 31, "second": 4}
